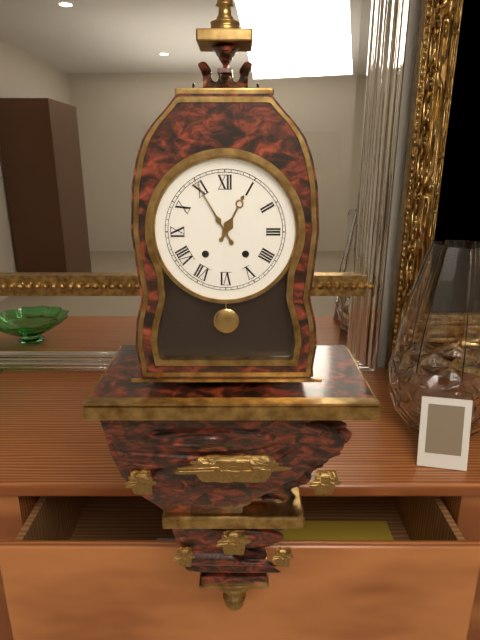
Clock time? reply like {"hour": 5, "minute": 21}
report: {"hour": 12, "minute": 55}
